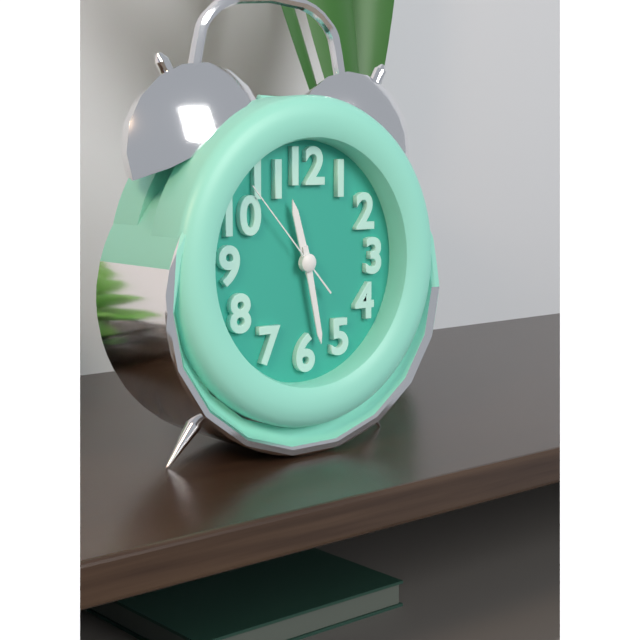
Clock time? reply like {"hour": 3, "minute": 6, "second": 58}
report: {"hour": 11, "minute": 28, "second": 53}
